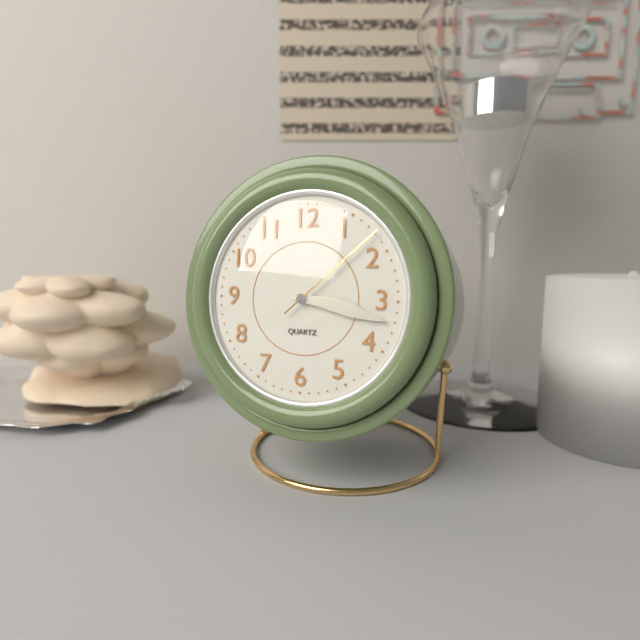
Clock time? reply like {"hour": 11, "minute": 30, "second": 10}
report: {"hour": 3, "minute": 17, "second": 8}
